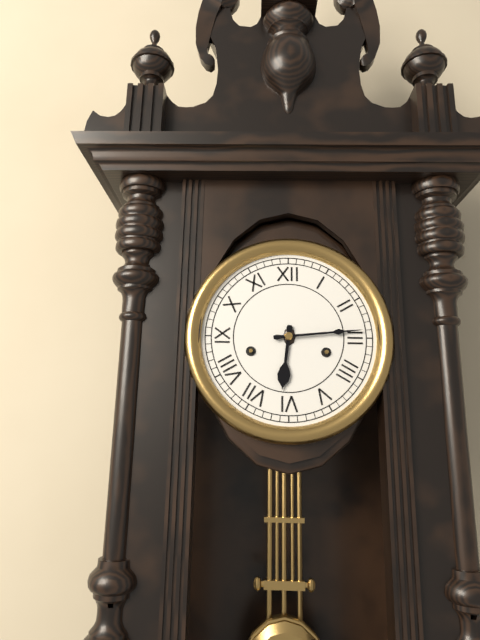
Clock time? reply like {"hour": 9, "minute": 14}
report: {"hour": 6, "minute": 14}
